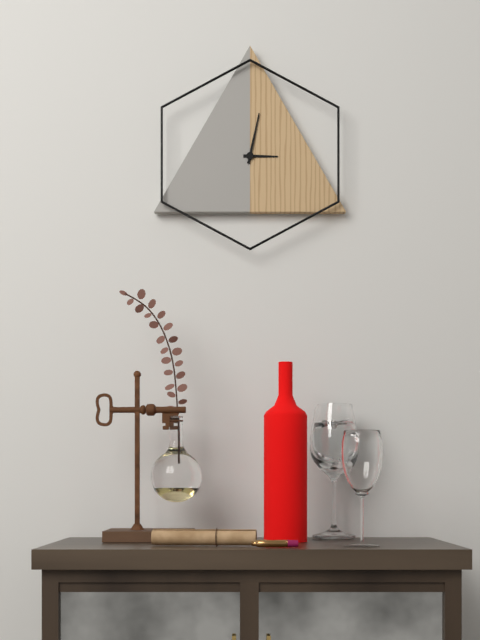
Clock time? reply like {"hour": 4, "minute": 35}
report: {"hour": 3, "minute": 2}
